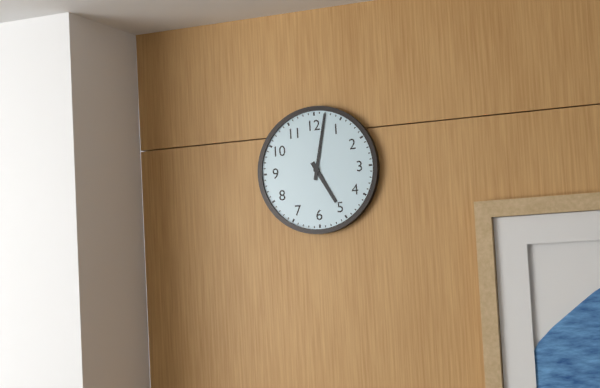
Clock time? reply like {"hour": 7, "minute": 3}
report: {"hour": 5, "minute": 2}
